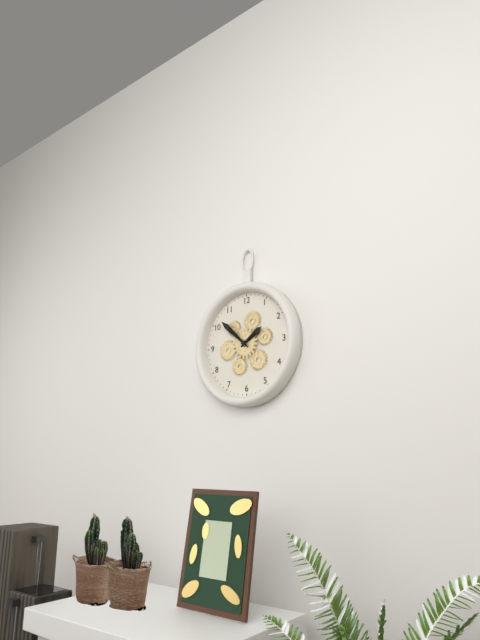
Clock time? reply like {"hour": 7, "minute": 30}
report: {"hour": 1, "minute": 52}
